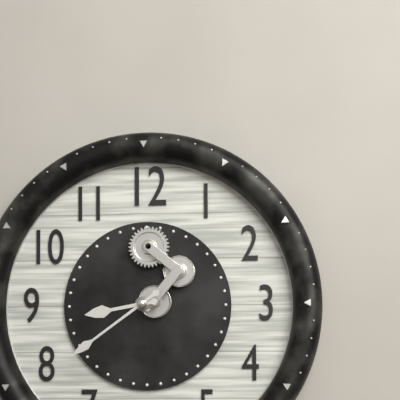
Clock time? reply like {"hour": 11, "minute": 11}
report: {"hour": 8, "minute": 39}
